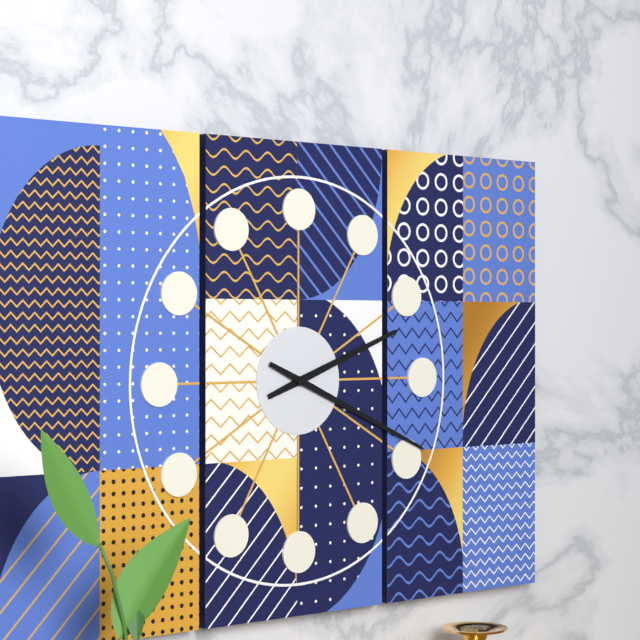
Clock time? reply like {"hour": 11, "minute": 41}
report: {"hour": 2, "minute": 19}
